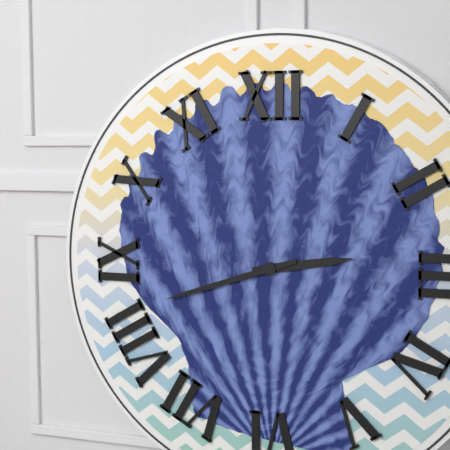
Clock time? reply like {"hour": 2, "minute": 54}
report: {"hour": 2, "minute": 42}
